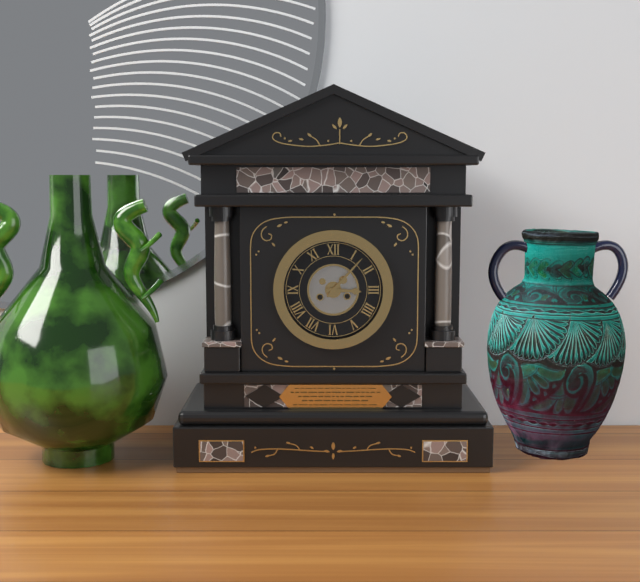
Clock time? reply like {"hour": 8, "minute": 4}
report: {"hour": 3, "minute": 7}
